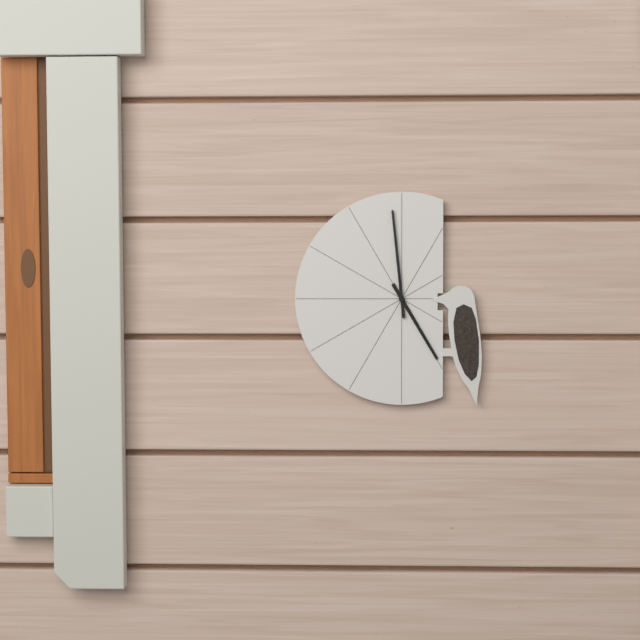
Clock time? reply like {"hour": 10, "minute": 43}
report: {"hour": 4, "minute": 59}
